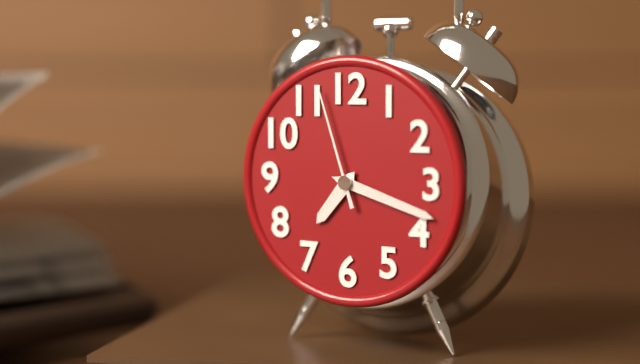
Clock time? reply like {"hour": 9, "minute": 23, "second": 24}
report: {"hour": 7, "minute": 18, "second": 57}
